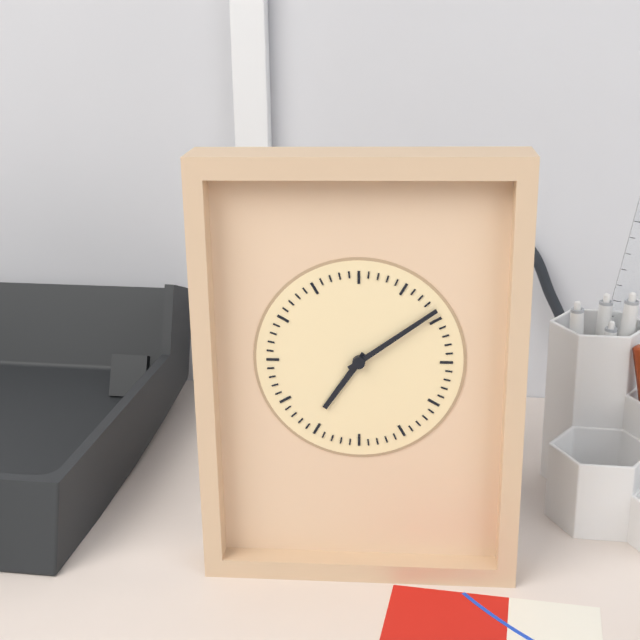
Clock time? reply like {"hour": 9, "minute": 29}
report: {"hour": 7, "minute": 9}
